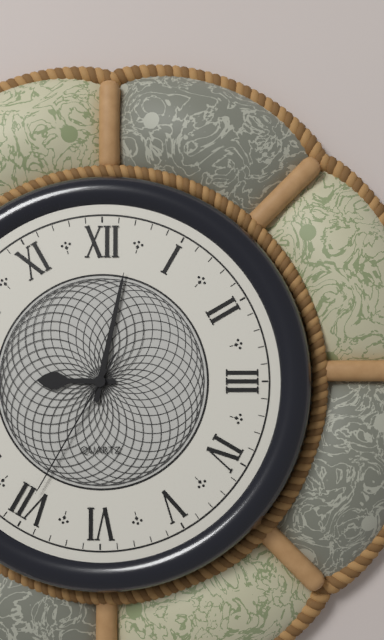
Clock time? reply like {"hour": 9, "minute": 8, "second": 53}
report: {"hour": 9, "minute": 2, "second": 35}
